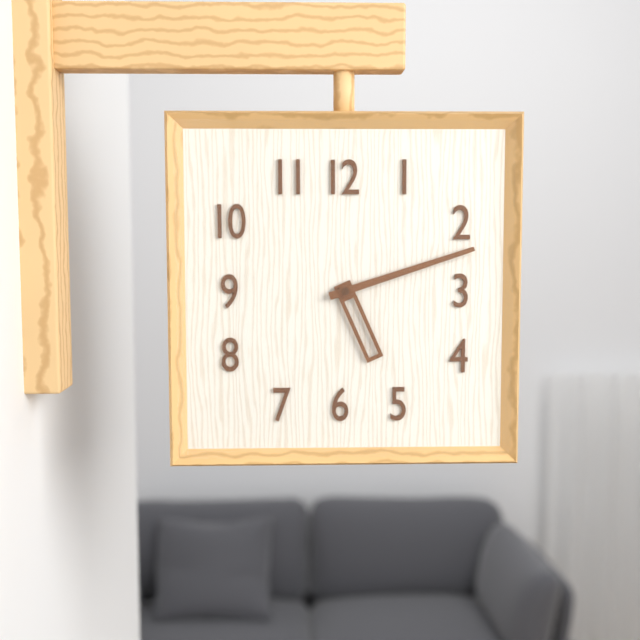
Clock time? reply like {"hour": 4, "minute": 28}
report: {"hour": 5, "minute": 12}
